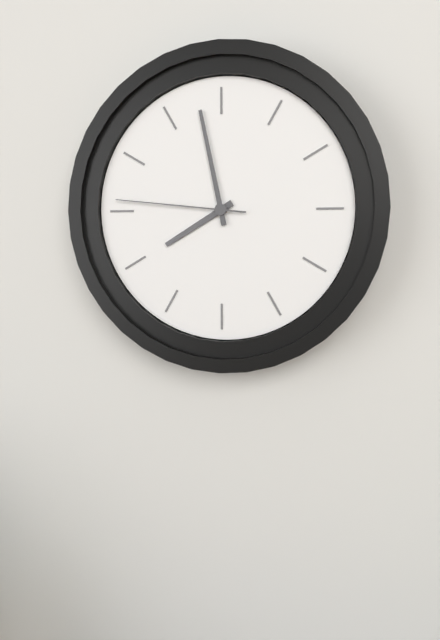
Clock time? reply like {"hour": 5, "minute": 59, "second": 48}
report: {"hour": 7, "minute": 58, "second": 46}
